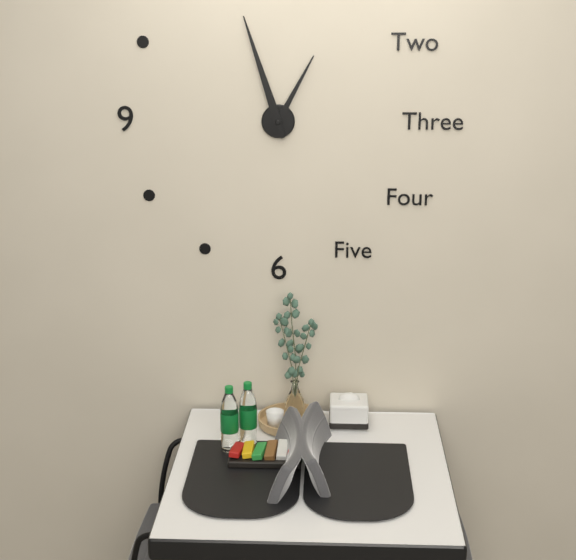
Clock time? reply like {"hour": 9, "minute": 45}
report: {"hour": 12, "minute": 57}
